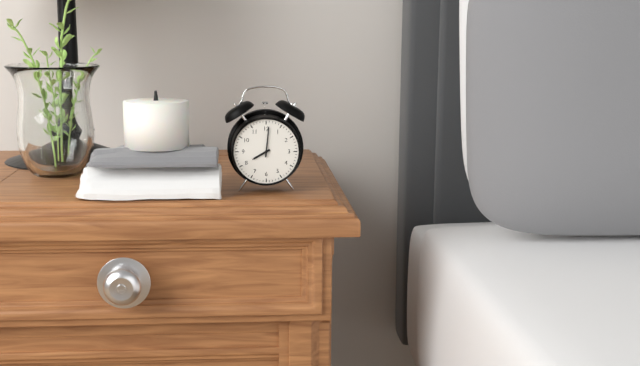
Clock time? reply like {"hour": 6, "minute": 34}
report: {"hour": 8, "minute": 1}
